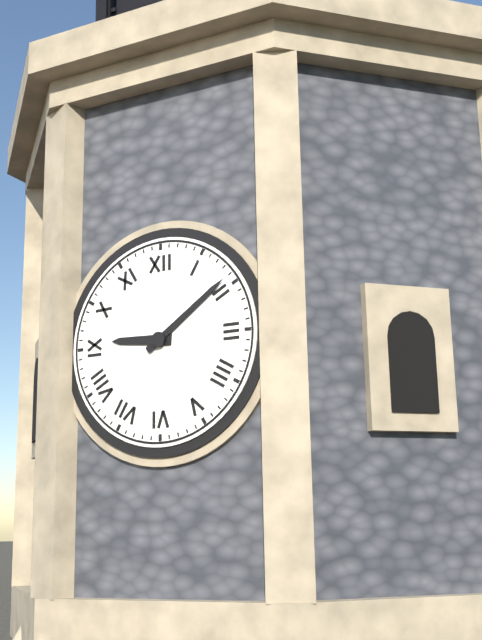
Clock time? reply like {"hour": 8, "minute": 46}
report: {"hour": 9, "minute": 9}
